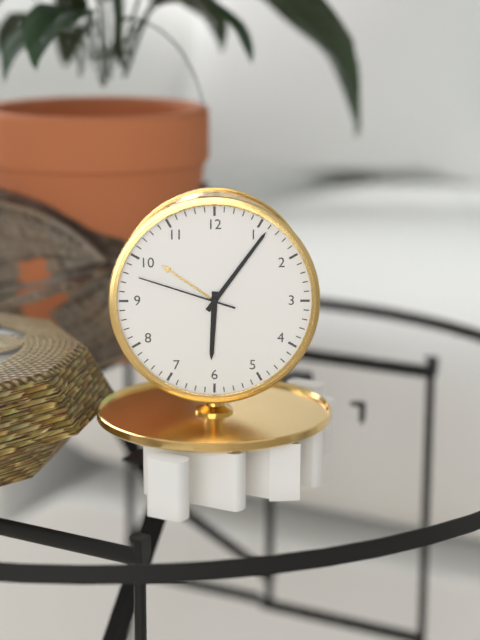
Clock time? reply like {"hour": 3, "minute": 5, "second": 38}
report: {"hour": 6, "minute": 6, "second": 48}
